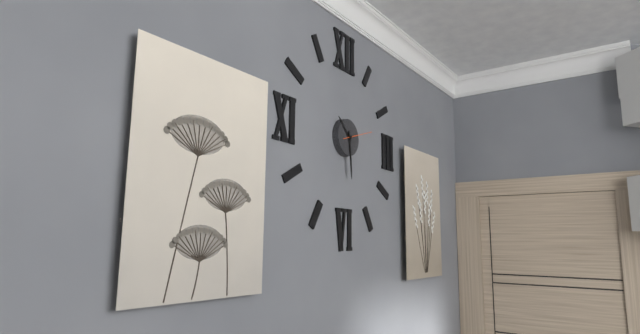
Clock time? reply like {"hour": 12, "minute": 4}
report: {"hour": 10, "minute": 29}
